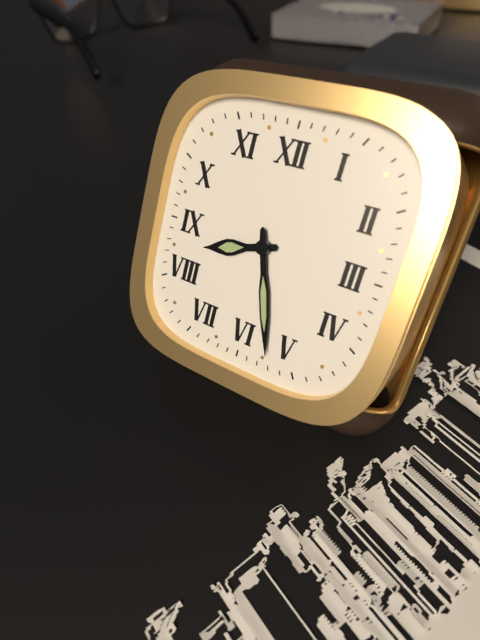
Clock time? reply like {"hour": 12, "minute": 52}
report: {"hour": 8, "minute": 27}
